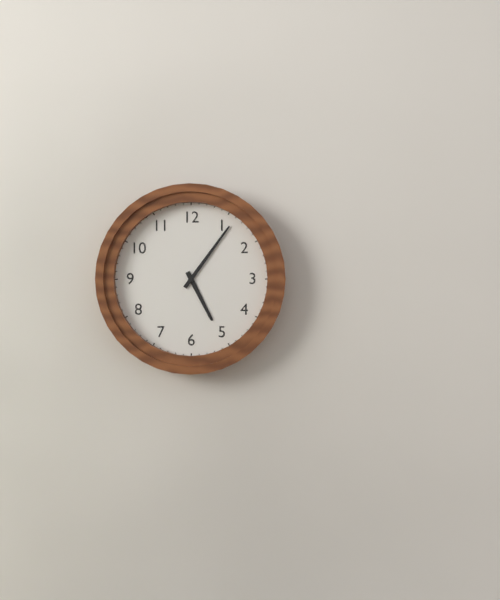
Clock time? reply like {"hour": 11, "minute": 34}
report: {"hour": 5, "minute": 6}
